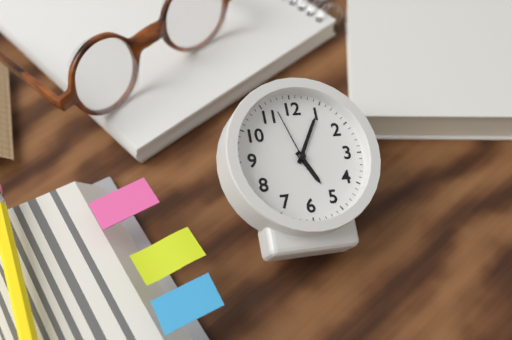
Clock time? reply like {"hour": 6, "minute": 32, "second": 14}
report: {"hour": 5, "minute": 5, "second": 57}
